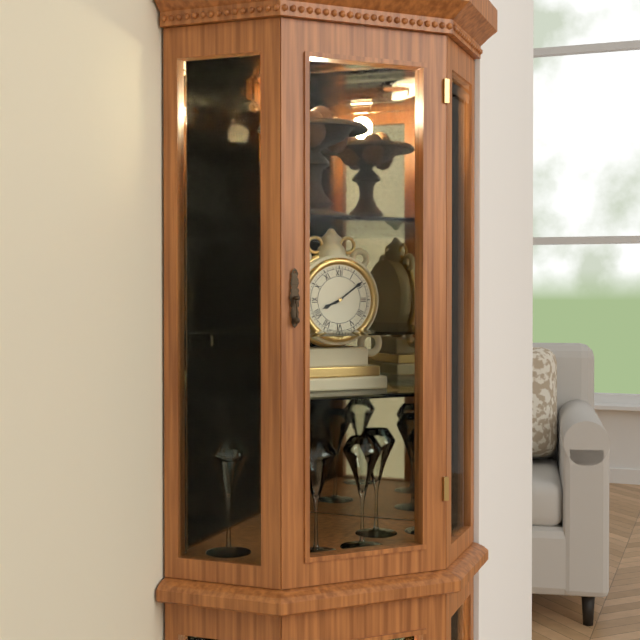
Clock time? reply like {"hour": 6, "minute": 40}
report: {"hour": 8, "minute": 9}
